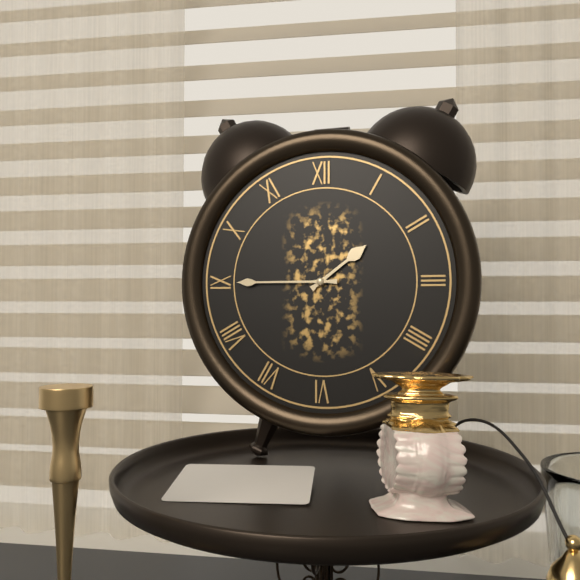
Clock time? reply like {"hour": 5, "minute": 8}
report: {"hour": 1, "minute": 45}
